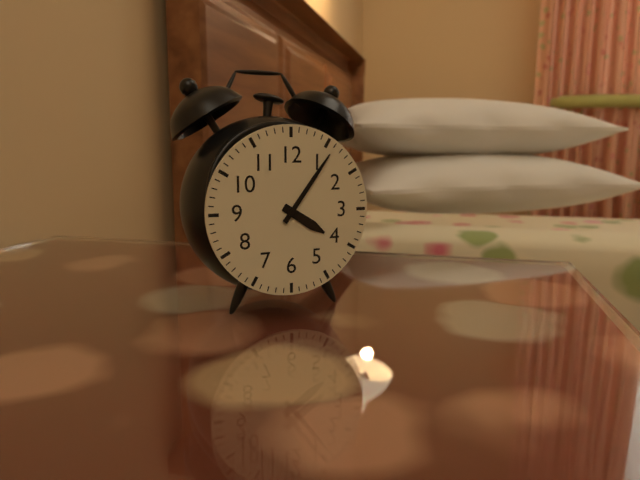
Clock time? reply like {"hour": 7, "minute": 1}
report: {"hour": 4, "minute": 6}
